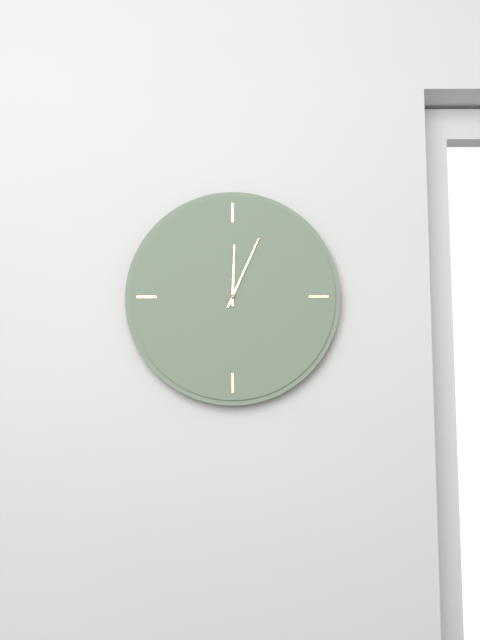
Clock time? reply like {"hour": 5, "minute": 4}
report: {"hour": 12, "minute": 4}
